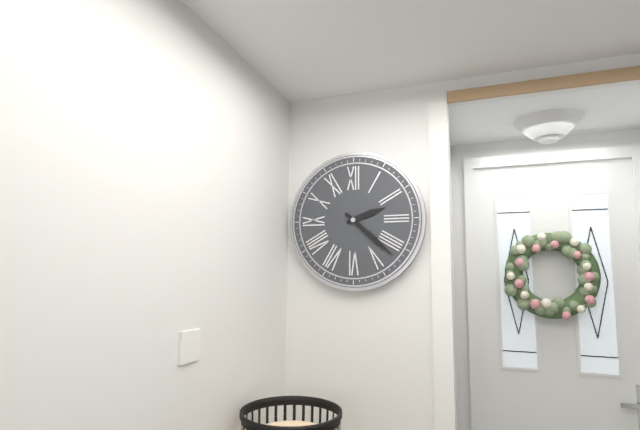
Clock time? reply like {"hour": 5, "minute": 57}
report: {"hour": 2, "minute": 22}
